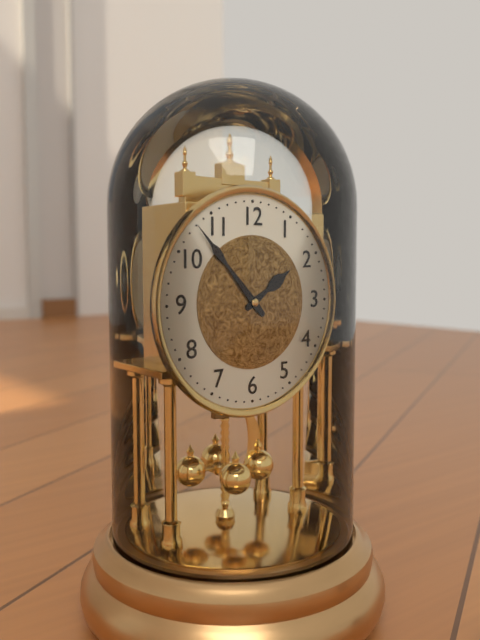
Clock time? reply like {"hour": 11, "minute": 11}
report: {"hour": 1, "minute": 53}
